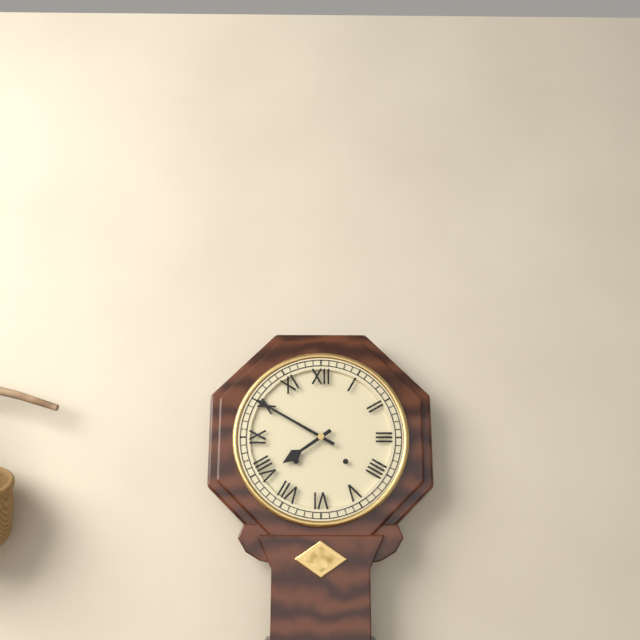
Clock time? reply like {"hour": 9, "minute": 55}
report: {"hour": 7, "minute": 50}
